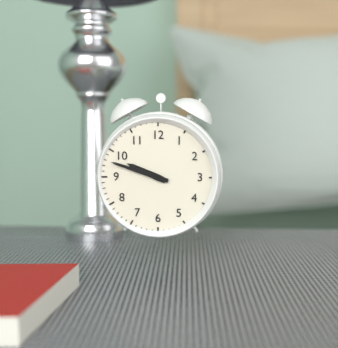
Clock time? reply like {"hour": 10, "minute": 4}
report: {"hour": 9, "minute": 48}
